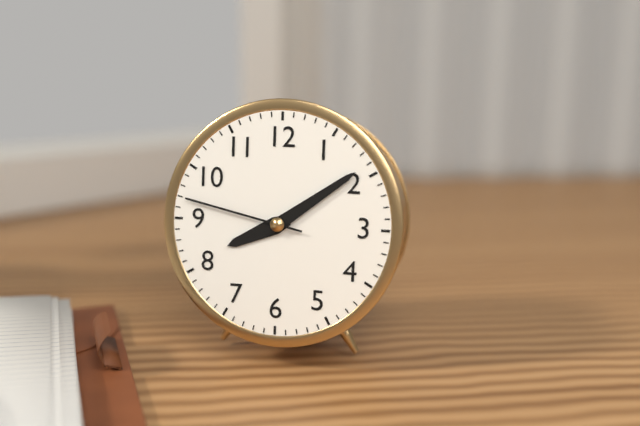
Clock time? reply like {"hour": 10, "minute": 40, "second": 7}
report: {"hour": 8, "minute": 9, "second": 47}
